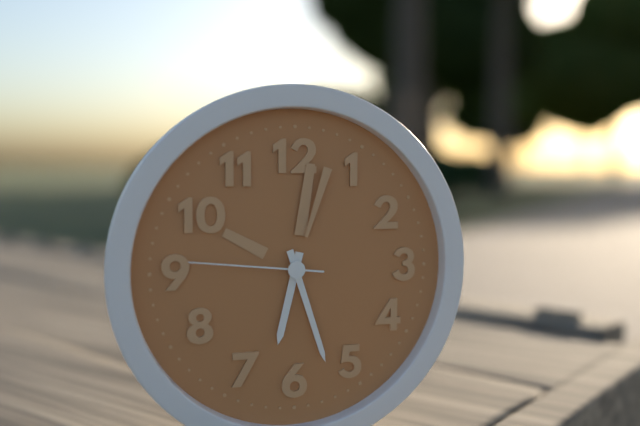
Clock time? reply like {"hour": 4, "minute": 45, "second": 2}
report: {"hour": 6, "minute": 27, "second": 46}
